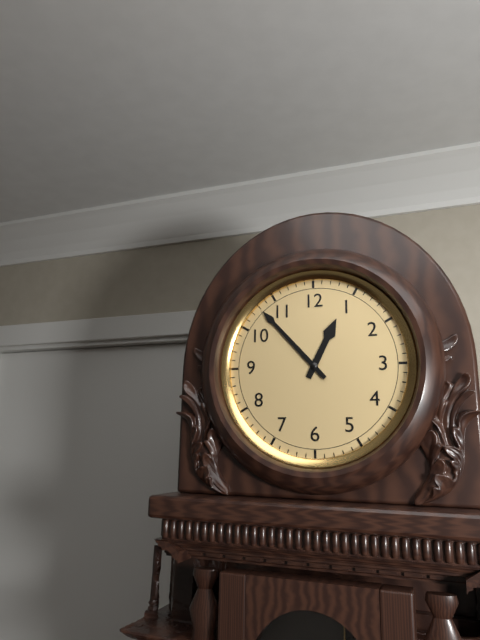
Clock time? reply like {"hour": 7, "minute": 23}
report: {"hour": 12, "minute": 53}
